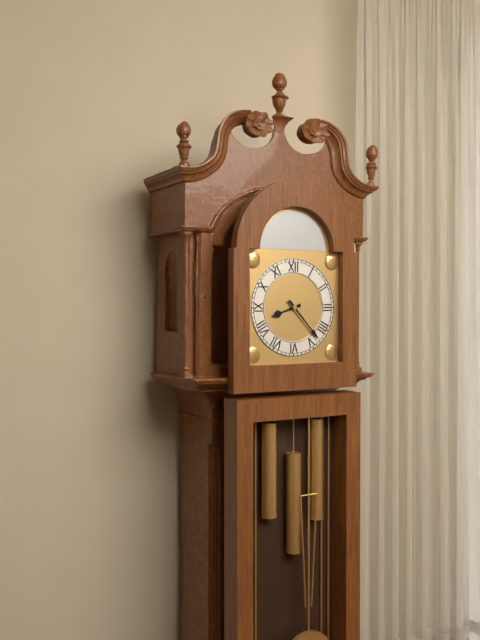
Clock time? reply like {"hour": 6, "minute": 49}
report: {"hour": 8, "minute": 23}
